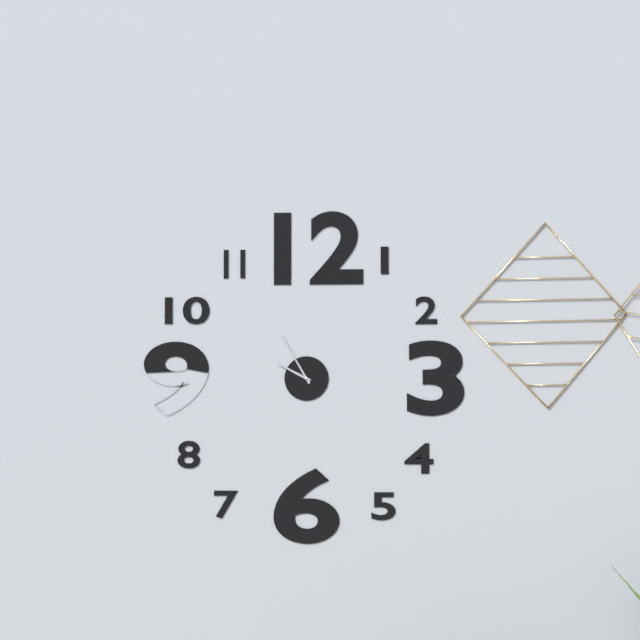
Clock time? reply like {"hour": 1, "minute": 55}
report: {"hour": 9, "minute": 55}
